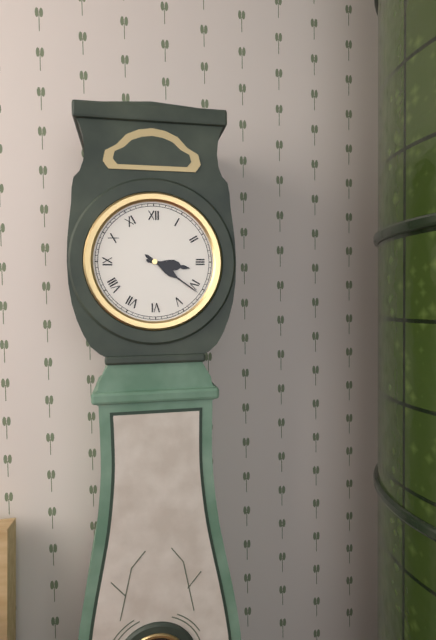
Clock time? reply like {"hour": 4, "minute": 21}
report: {"hour": 3, "minute": 21}
